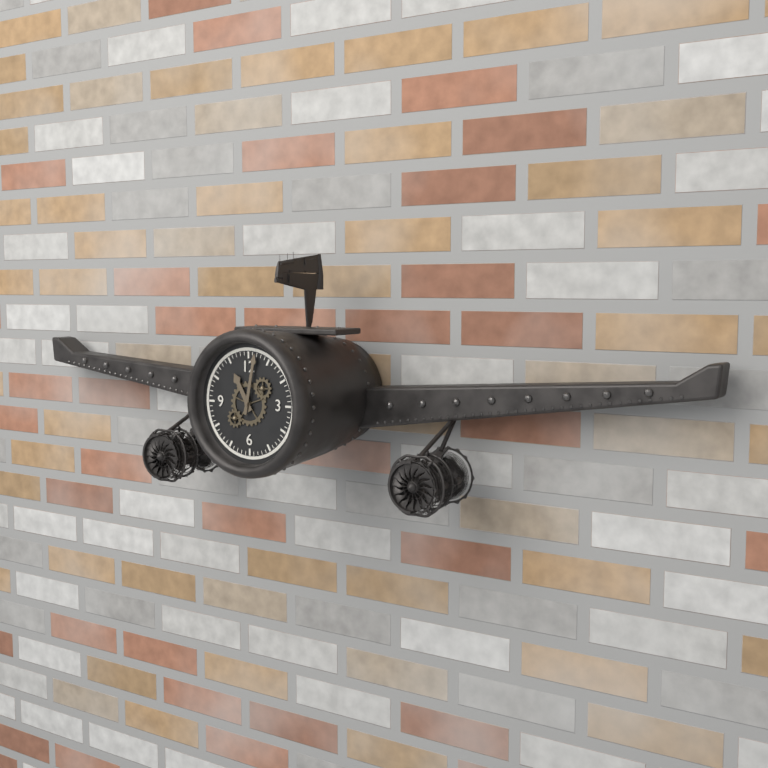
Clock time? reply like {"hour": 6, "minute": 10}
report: {"hour": 11, "minute": 2}
